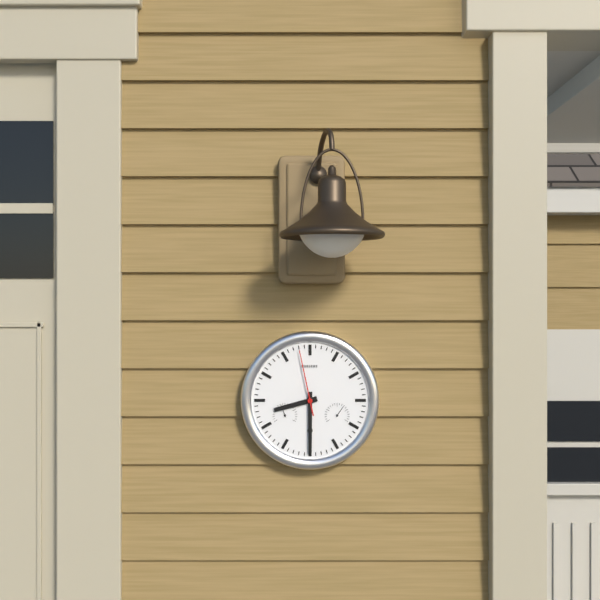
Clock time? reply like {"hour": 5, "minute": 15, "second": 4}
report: {"hour": 8, "minute": 30, "second": 58}
